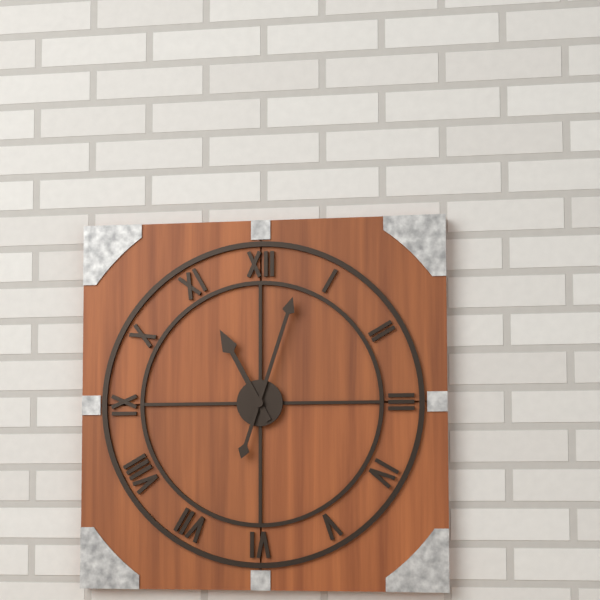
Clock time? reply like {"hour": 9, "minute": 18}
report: {"hour": 11, "minute": 3}
